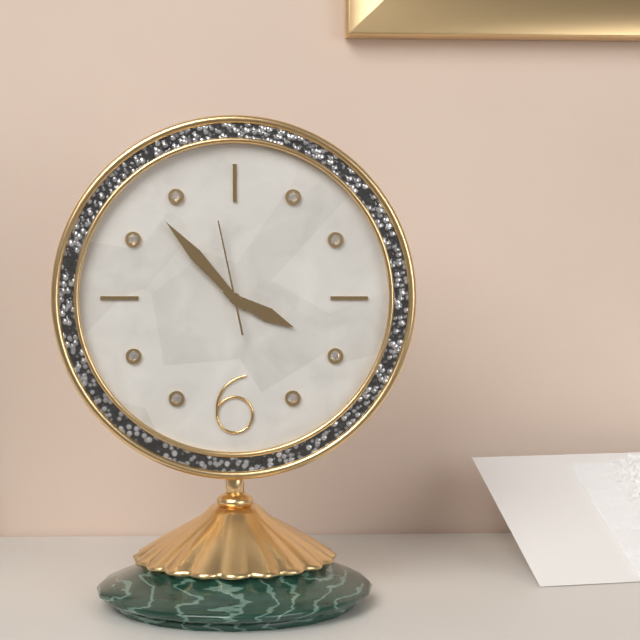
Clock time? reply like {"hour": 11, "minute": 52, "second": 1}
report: {"hour": 3, "minute": 53, "second": 58}
